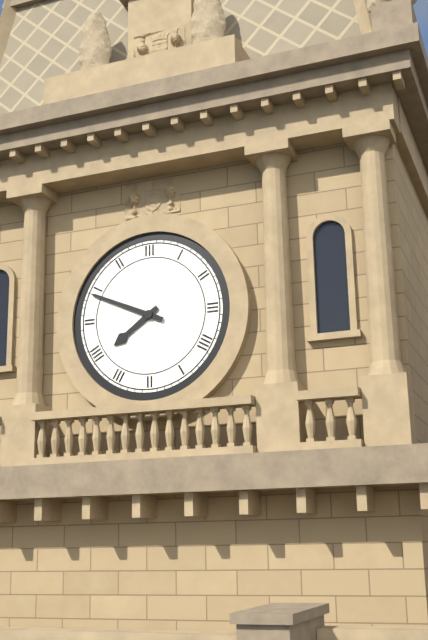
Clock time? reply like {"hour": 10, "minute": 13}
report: {"hour": 7, "minute": 49}
